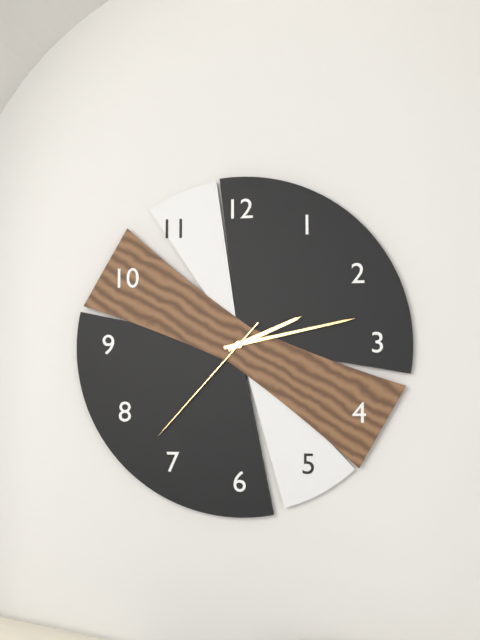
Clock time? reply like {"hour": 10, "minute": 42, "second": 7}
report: {"hour": 2, "minute": 13, "second": 37}
